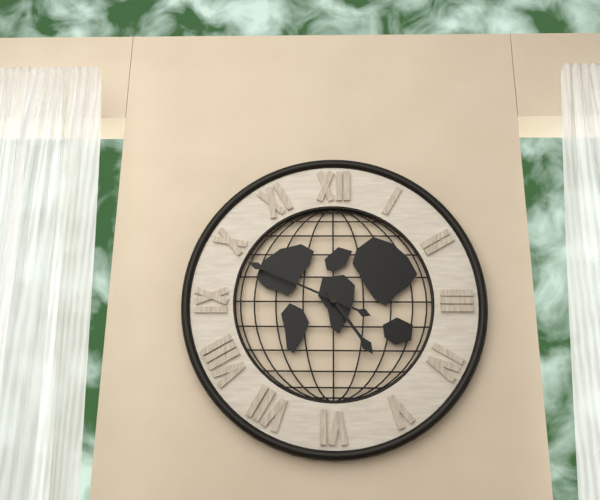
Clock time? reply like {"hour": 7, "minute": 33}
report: {"hour": 4, "minute": 49}
